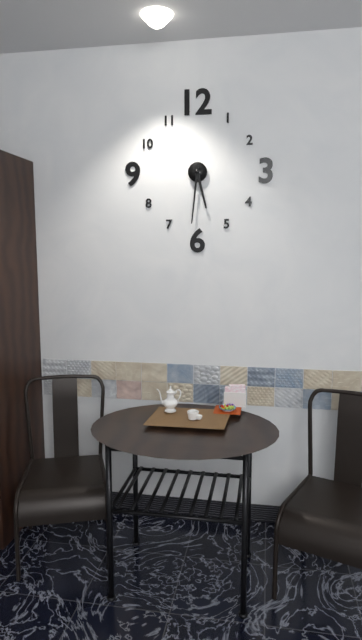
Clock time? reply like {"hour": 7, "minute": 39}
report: {"hour": 5, "minute": 31}
